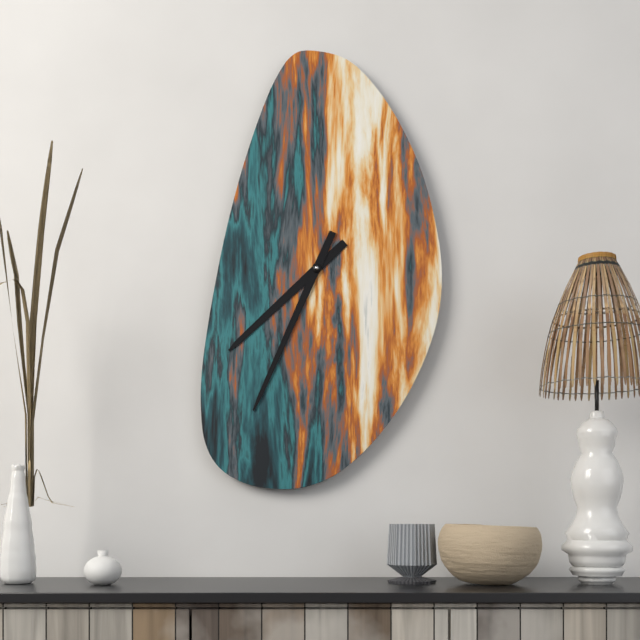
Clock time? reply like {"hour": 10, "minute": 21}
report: {"hour": 7, "minute": 34}
